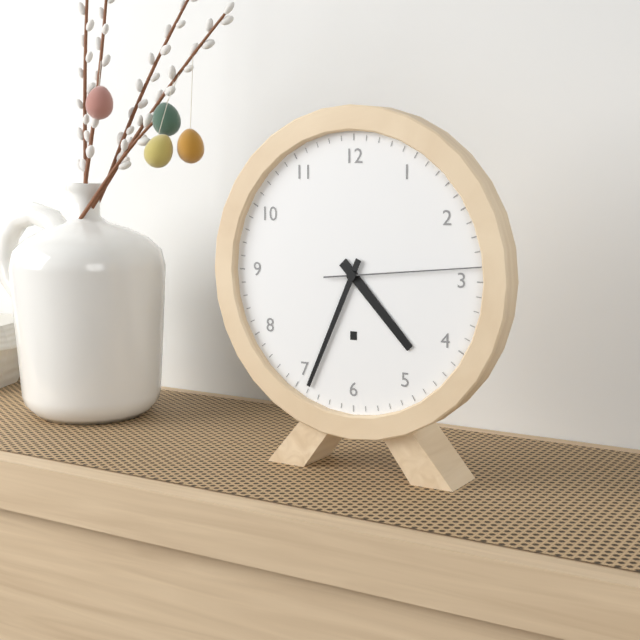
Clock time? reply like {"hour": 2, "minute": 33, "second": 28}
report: {"hour": 4, "minute": 34, "second": 14}
